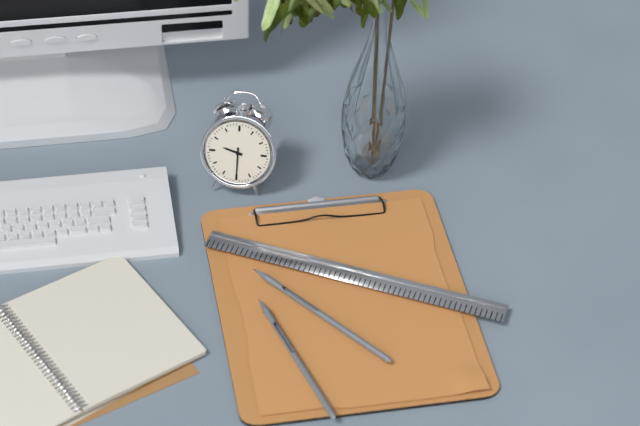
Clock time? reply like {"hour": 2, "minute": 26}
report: {"hour": 9, "minute": 30}
